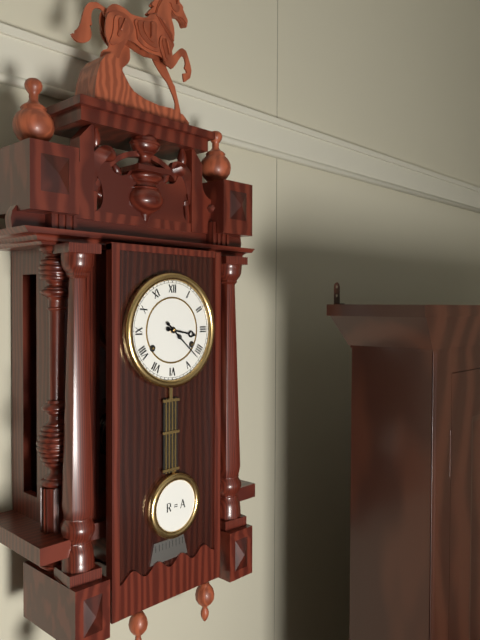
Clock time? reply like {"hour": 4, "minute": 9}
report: {"hour": 3, "minute": 22}
